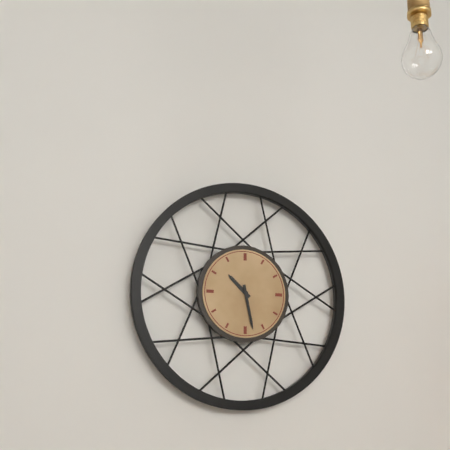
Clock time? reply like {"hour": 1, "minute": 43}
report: {"hour": 10, "minute": 28}
